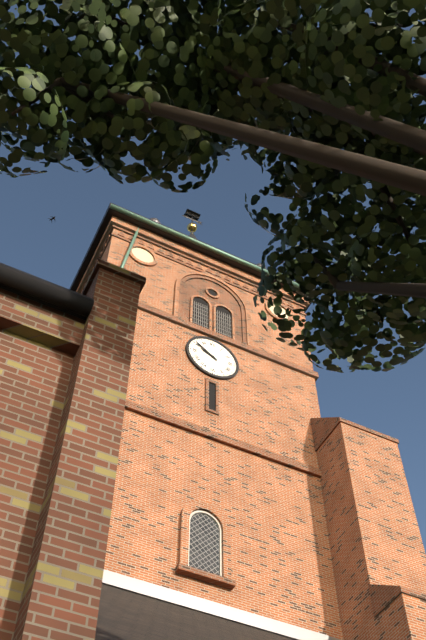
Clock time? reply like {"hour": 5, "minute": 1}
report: {"hour": 9, "minute": 51}
